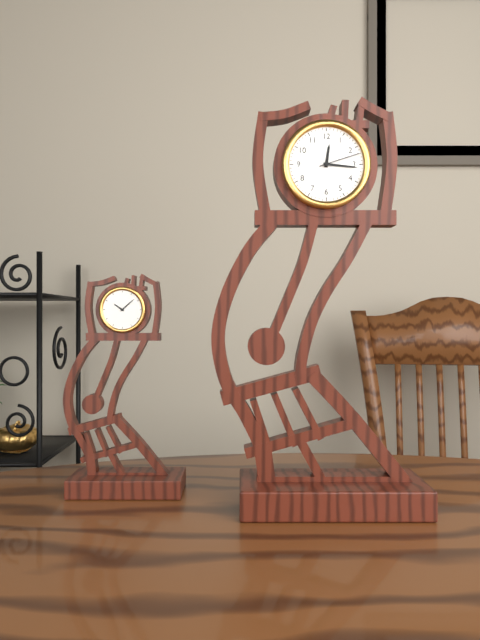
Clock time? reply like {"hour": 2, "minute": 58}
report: {"hour": 12, "minute": 16}
